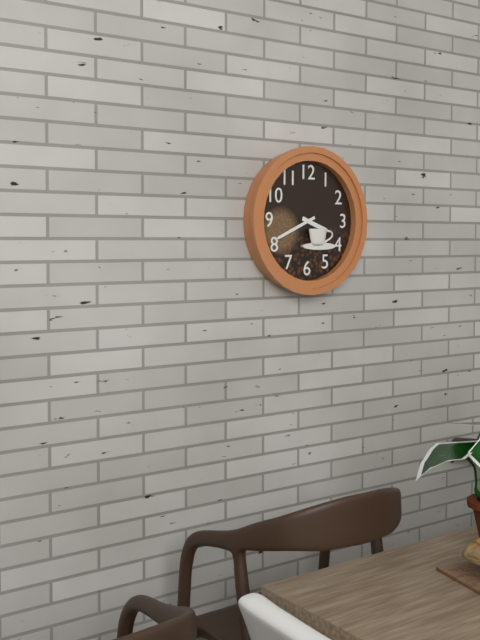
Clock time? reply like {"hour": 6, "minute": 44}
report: {"hour": 3, "minute": 41}
